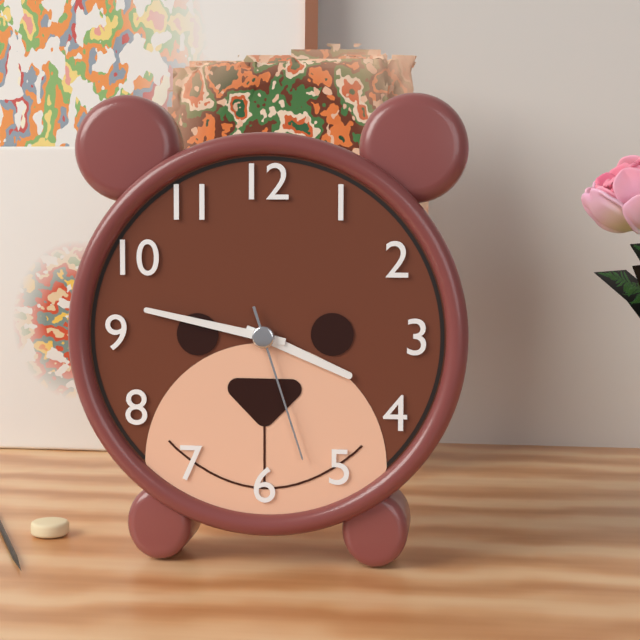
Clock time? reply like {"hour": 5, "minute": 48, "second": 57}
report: {"hour": 3, "minute": 47, "second": 27}
